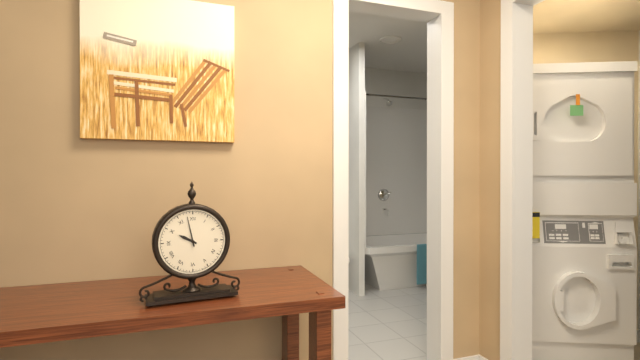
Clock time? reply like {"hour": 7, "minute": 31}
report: {"hour": 9, "minute": 58}
